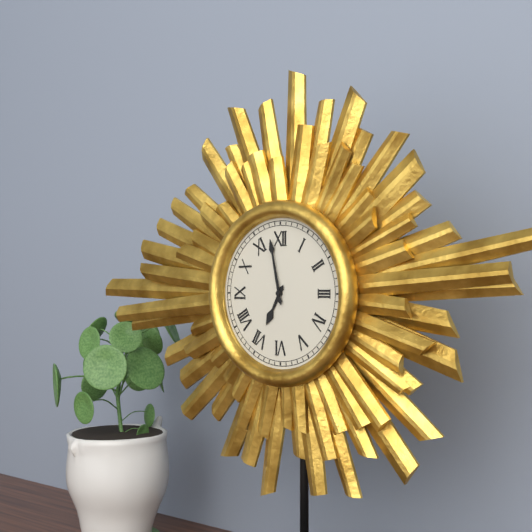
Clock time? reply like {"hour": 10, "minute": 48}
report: {"hour": 6, "minute": 58}
